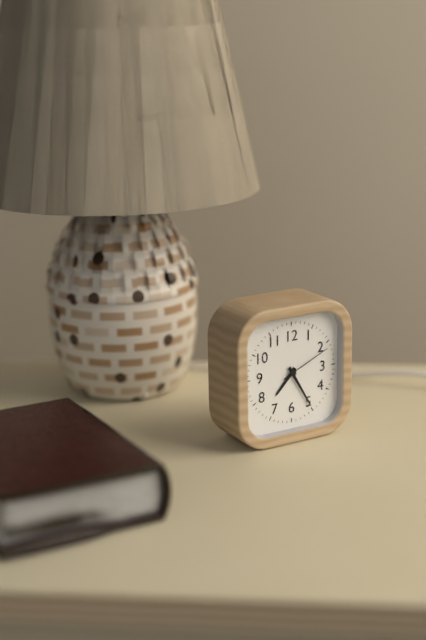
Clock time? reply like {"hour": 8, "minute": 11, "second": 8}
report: {"hour": 7, "minute": 25, "second": 11}
